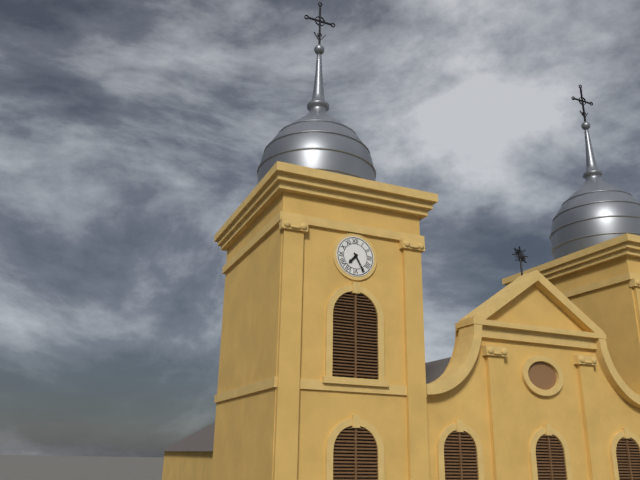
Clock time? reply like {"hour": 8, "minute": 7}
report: {"hour": 7, "minute": 25}
